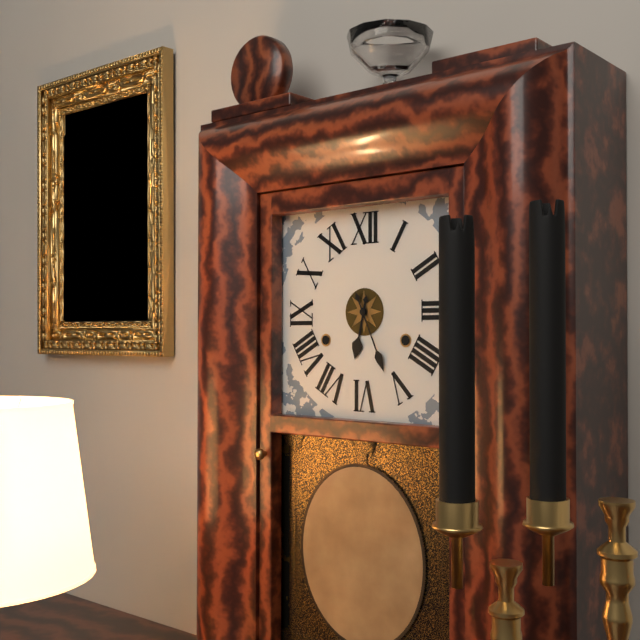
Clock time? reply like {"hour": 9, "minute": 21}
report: {"hour": 6, "minute": 26}
